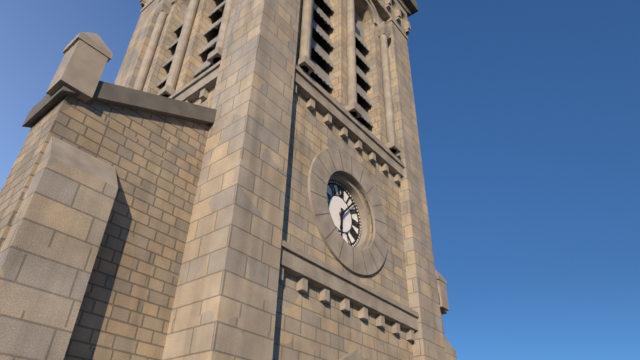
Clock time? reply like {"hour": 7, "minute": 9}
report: {"hour": 6, "minute": 7}
